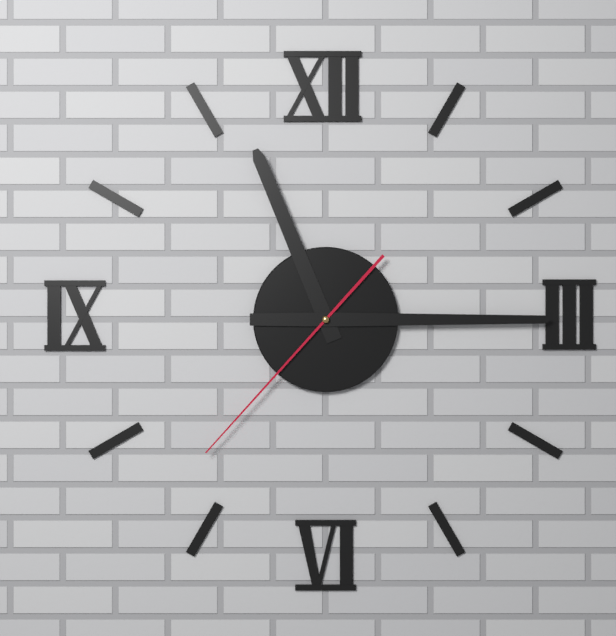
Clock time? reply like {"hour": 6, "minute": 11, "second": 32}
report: {"hour": 11, "minute": 15, "second": 37}
